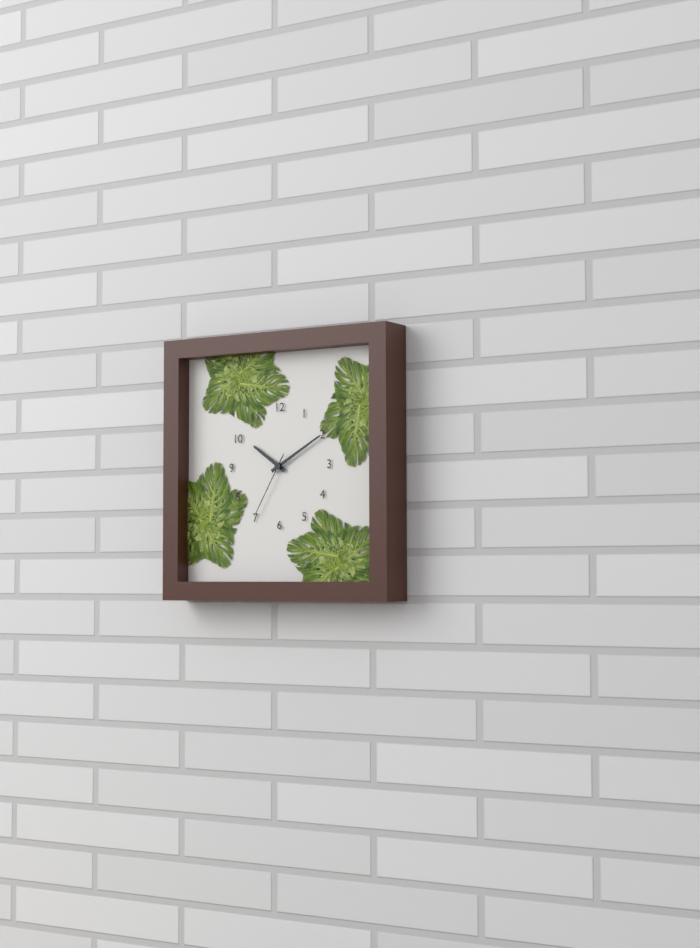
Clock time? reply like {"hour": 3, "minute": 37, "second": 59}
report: {"hour": 10, "minute": 10, "second": 35}
